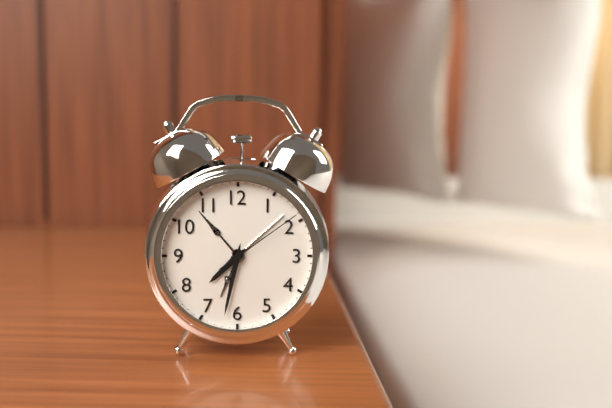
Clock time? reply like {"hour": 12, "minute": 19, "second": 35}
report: {"hour": 7, "minute": 32, "second": 9}
